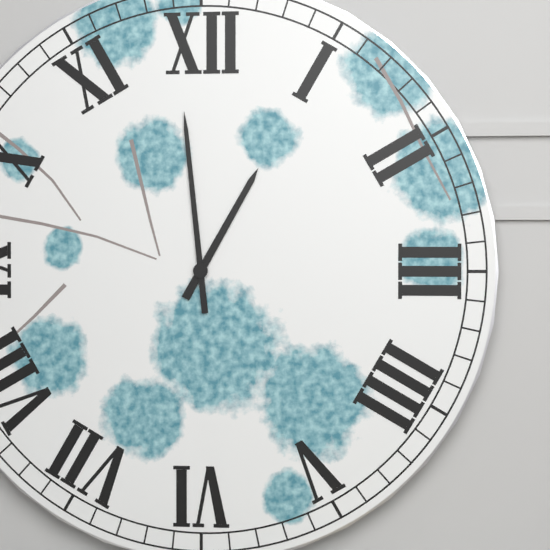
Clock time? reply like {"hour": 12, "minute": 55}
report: {"hour": 12, "minute": 59}
